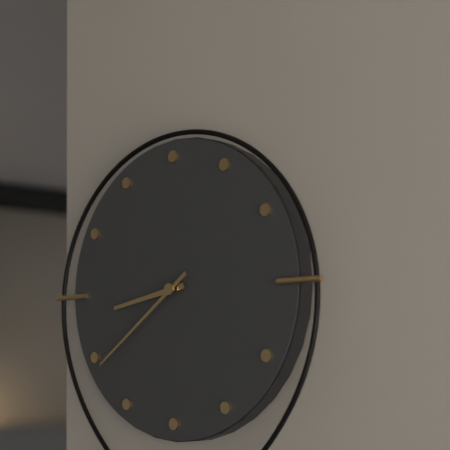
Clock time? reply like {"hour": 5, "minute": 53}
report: {"hour": 8, "minute": 39}
